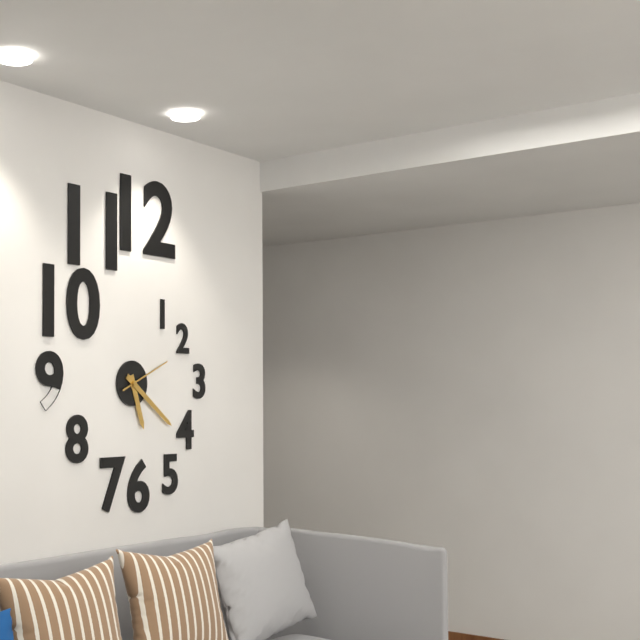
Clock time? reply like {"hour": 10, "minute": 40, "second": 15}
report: {"hour": 5, "minute": 21, "second": 11}
